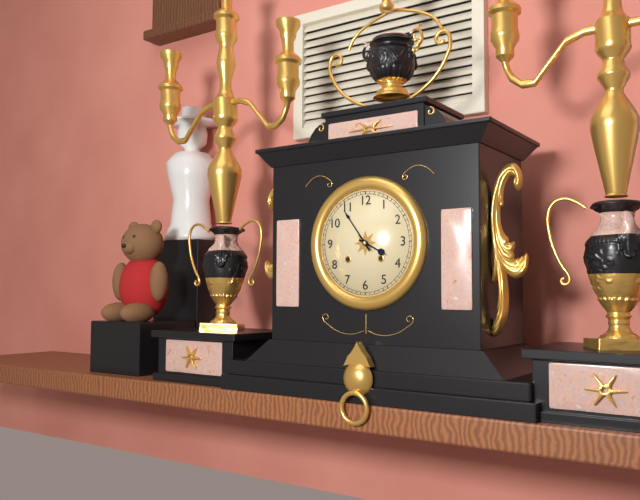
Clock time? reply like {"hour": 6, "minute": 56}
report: {"hour": 3, "minute": 54}
